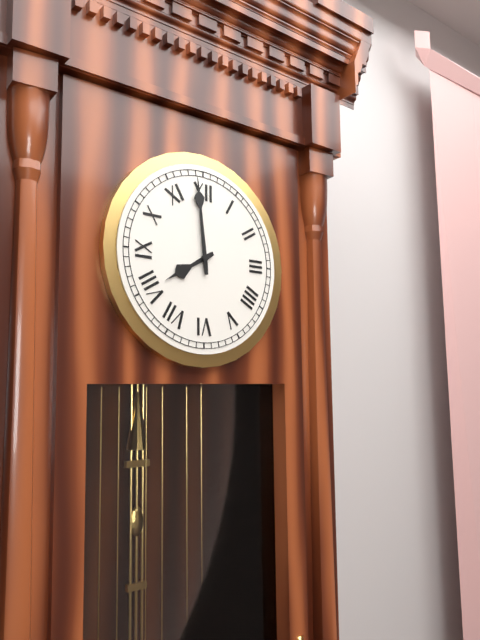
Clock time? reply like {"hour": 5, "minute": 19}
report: {"hour": 7, "minute": 59}
